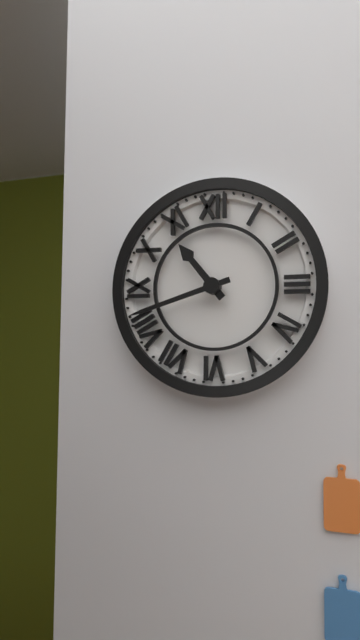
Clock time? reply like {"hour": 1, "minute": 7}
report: {"hour": 10, "minute": 42}
